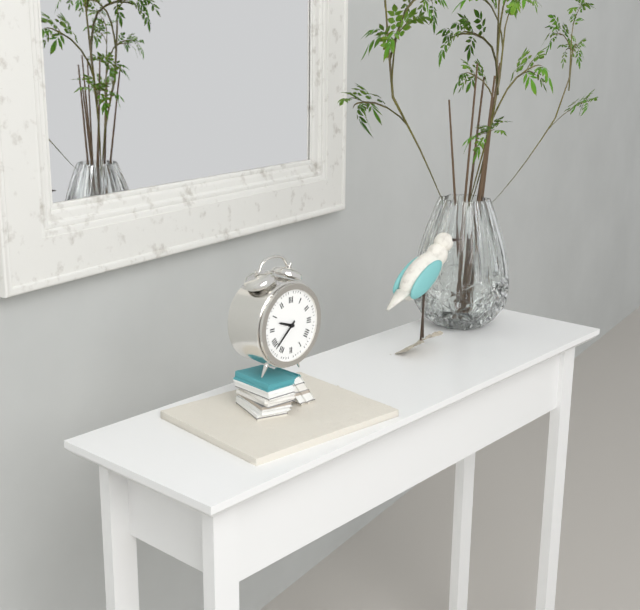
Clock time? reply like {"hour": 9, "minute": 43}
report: {"hour": 9, "minute": 38}
